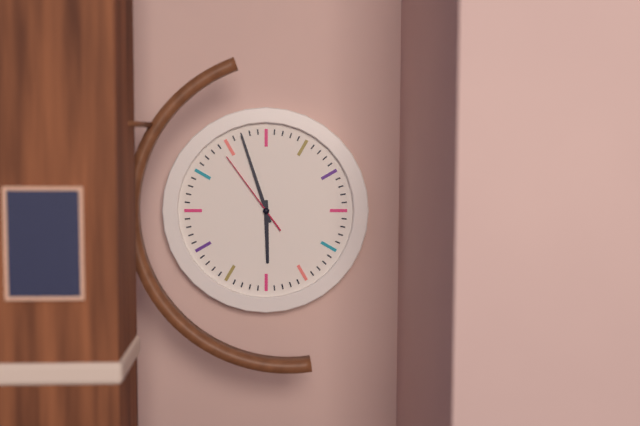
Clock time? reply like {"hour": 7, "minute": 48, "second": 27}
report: {"hour": 5, "minute": 57, "second": 54}
